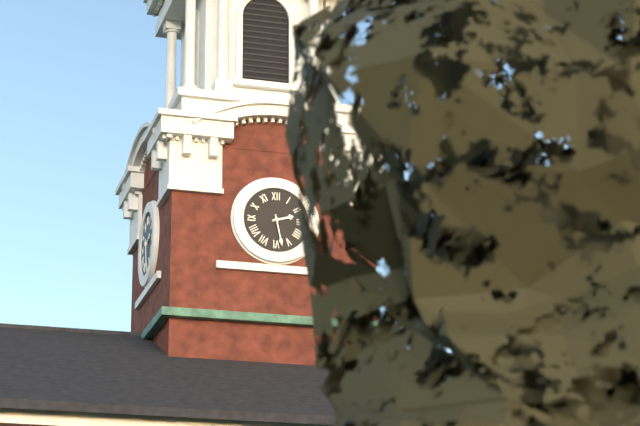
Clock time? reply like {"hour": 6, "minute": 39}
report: {"hour": 2, "minute": 28}
